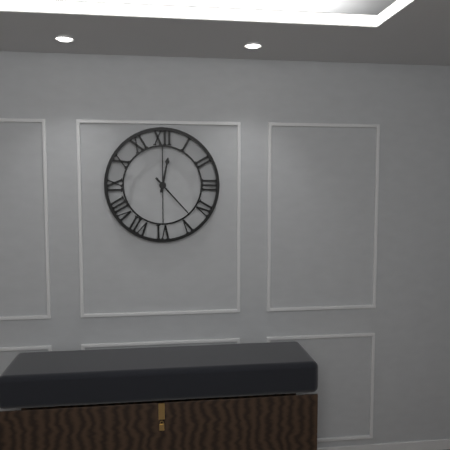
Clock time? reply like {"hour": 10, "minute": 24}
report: {"hour": 12, "minute": 23}
